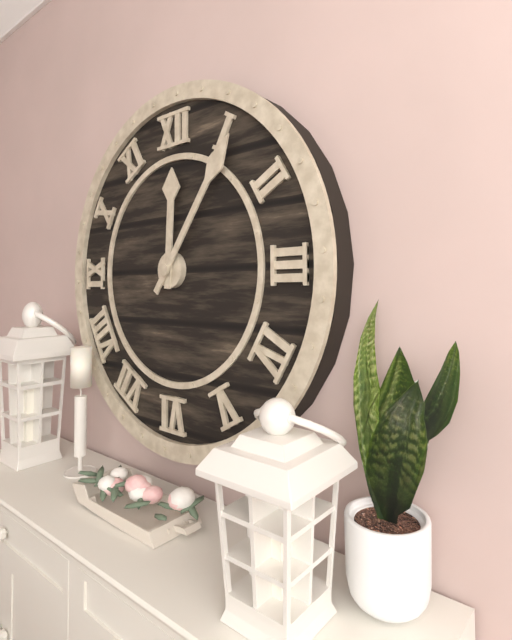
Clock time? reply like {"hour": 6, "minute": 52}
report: {"hour": 12, "minute": 6}
